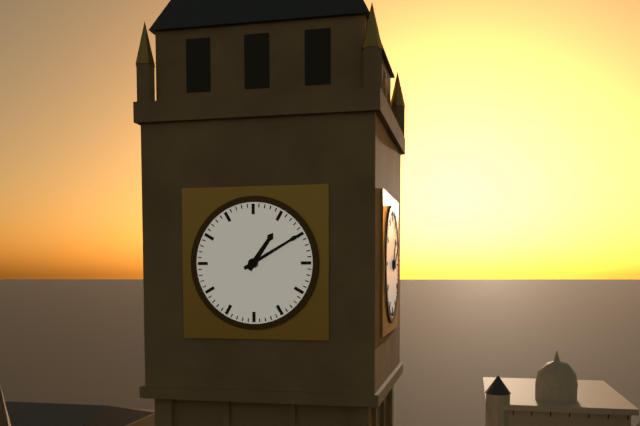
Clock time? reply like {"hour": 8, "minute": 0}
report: {"hour": 1, "minute": 10}
